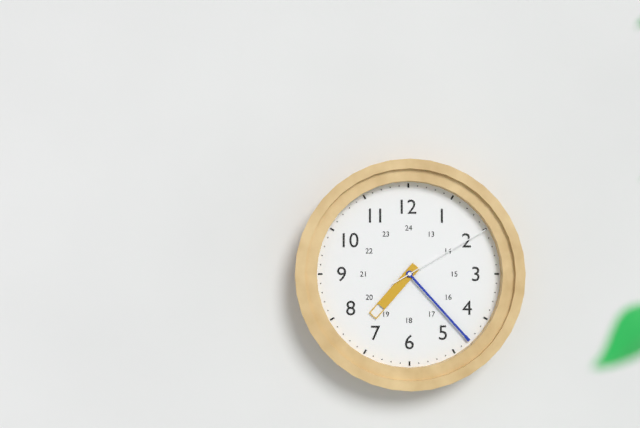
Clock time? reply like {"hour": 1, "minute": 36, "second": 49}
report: {"hour": 7, "minute": 23, "second": 10}
